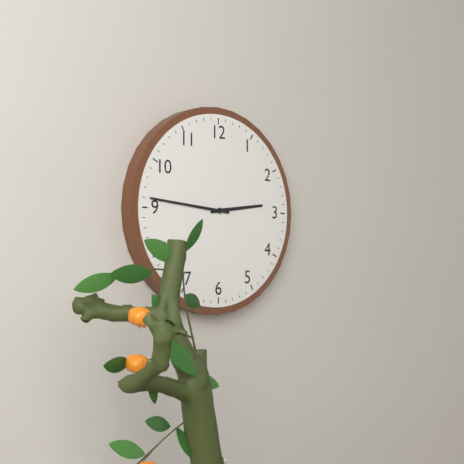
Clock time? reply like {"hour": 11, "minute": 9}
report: {"hour": 2, "minute": 46}
